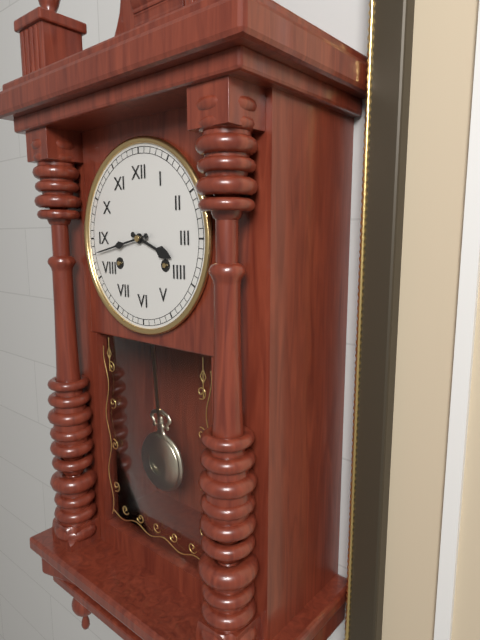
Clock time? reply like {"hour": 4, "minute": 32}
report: {"hour": 3, "minute": 43}
